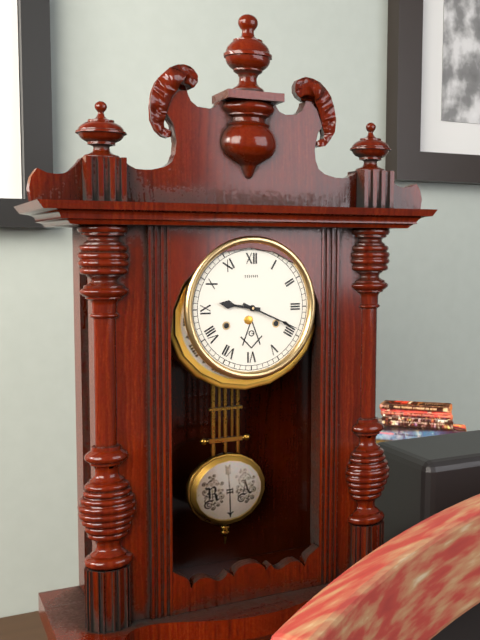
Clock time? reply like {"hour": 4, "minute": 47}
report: {"hour": 9, "minute": 19}
